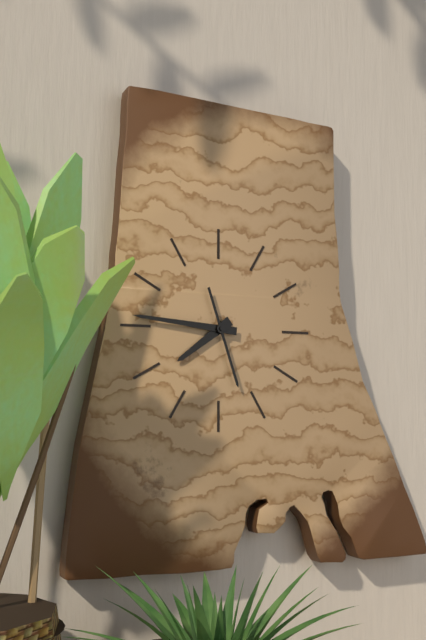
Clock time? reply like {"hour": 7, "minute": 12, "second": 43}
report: {"hour": 7, "minute": 46, "second": 27}
